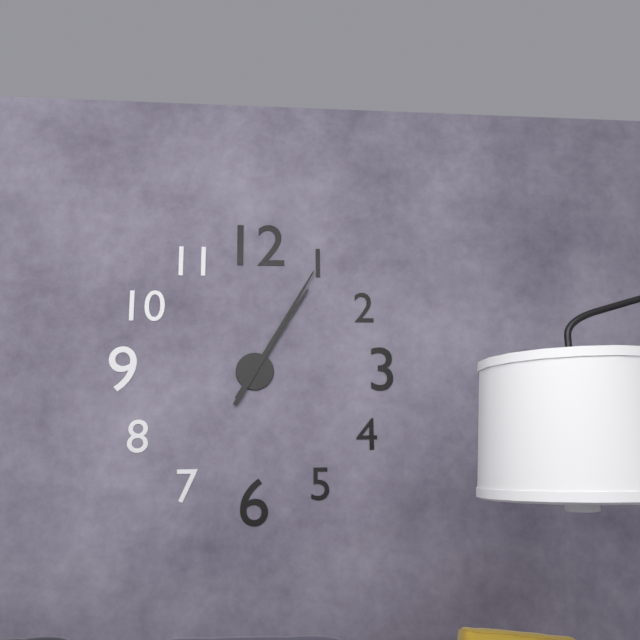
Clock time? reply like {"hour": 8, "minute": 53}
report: {"hour": 1, "minute": 5}
